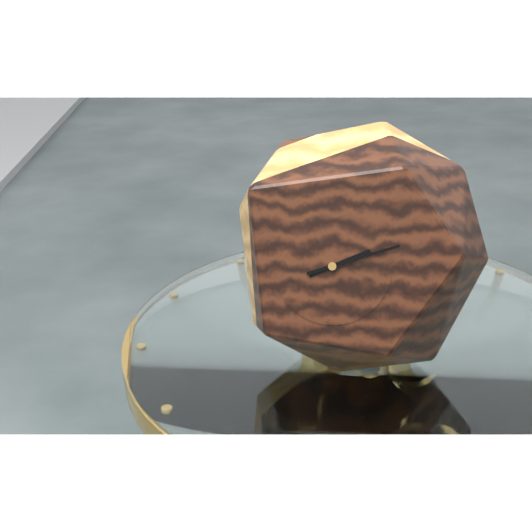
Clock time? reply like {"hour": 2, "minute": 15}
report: {"hour": 2, "minute": 12}
